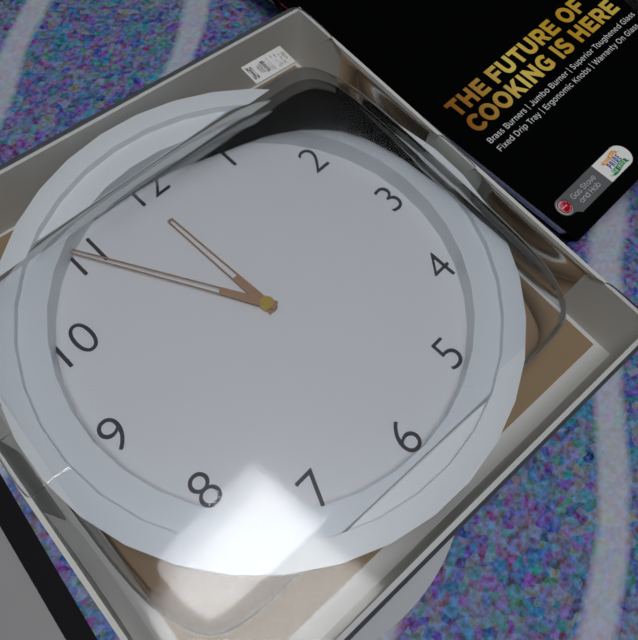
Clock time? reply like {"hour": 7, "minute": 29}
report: {"hour": 11, "minute": 55}
